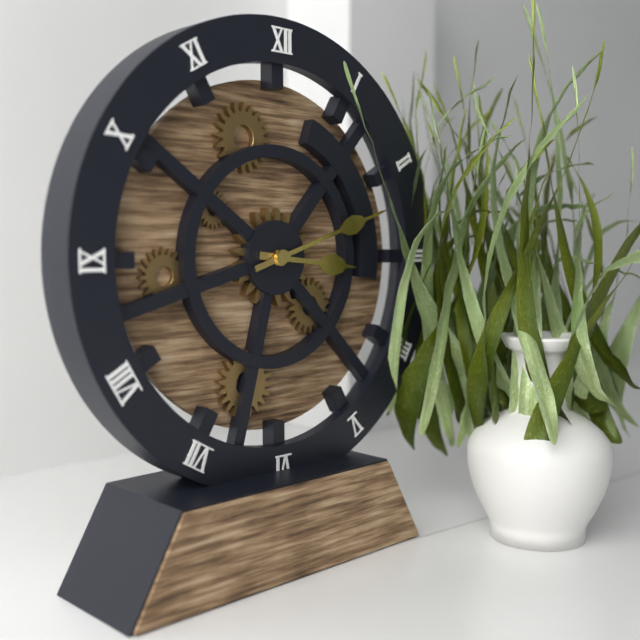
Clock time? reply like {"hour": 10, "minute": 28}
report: {"hour": 3, "minute": 12}
